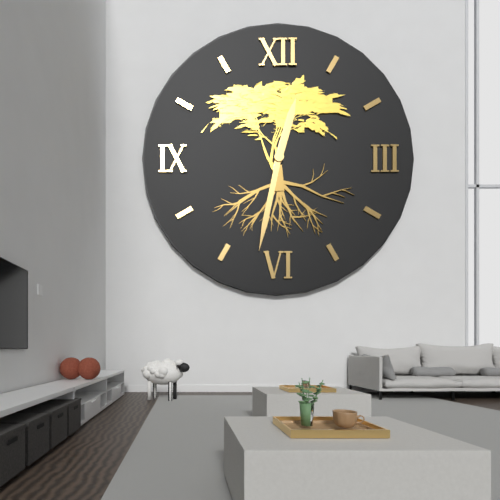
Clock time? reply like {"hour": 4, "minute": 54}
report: {"hour": 12, "minute": 32}
